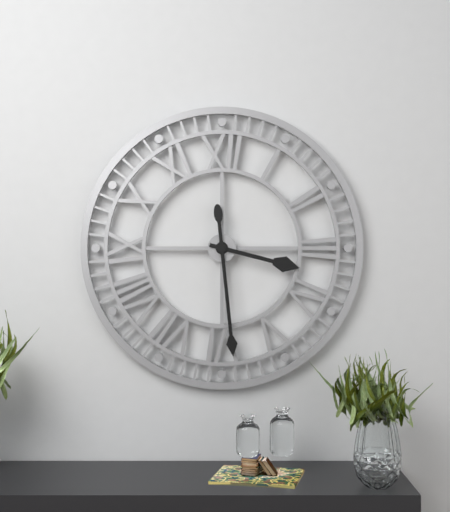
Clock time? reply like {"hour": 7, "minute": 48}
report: {"hour": 3, "minute": 29}
